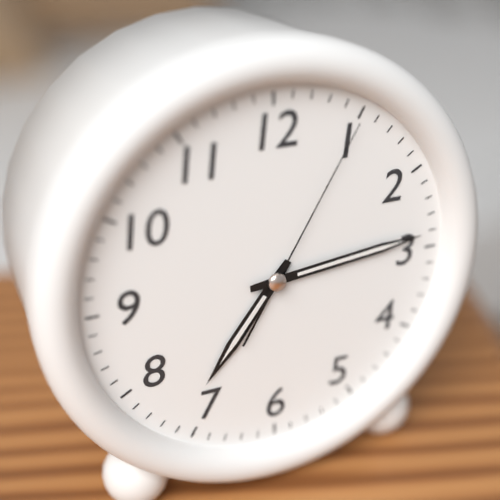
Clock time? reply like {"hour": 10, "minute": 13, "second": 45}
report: {"hour": 7, "minute": 14, "second": 5}
